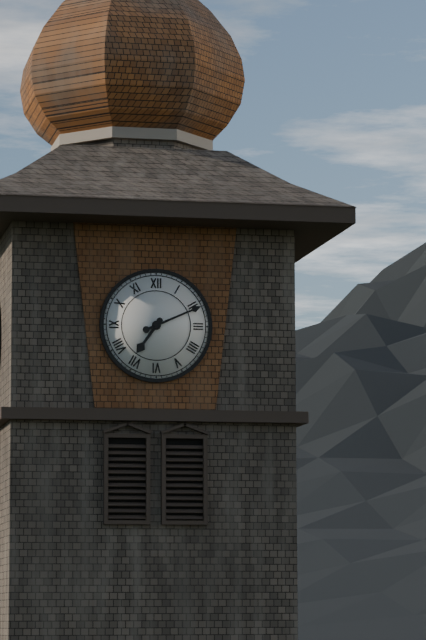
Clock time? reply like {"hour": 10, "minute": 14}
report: {"hour": 7, "minute": 11}
